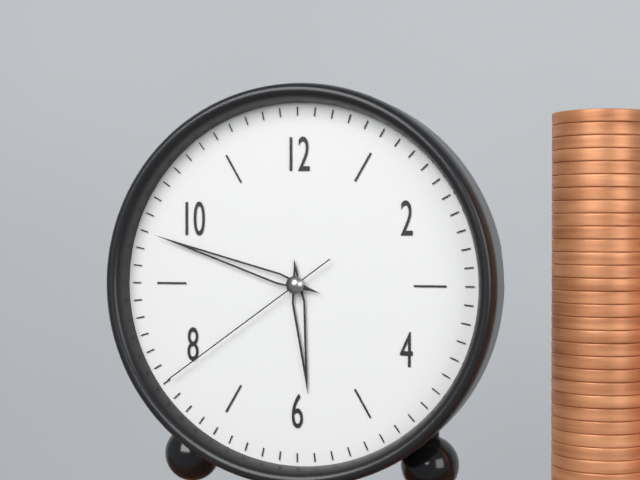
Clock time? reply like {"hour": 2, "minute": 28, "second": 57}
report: {"hour": 5, "minute": 48, "second": 39}
